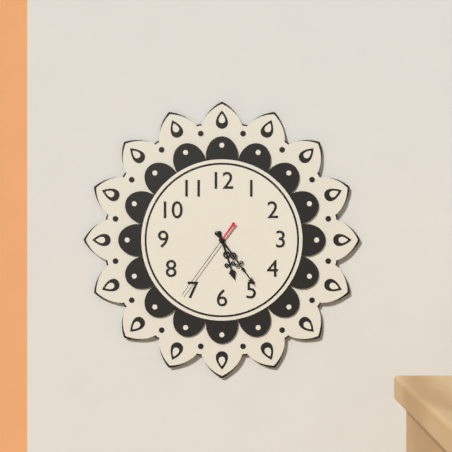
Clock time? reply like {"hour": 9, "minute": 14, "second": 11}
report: {"hour": 5, "minute": 24, "second": 36}
